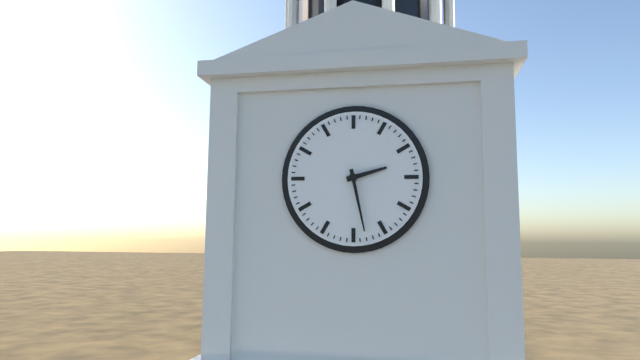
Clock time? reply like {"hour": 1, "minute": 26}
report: {"hour": 2, "minute": 28}
